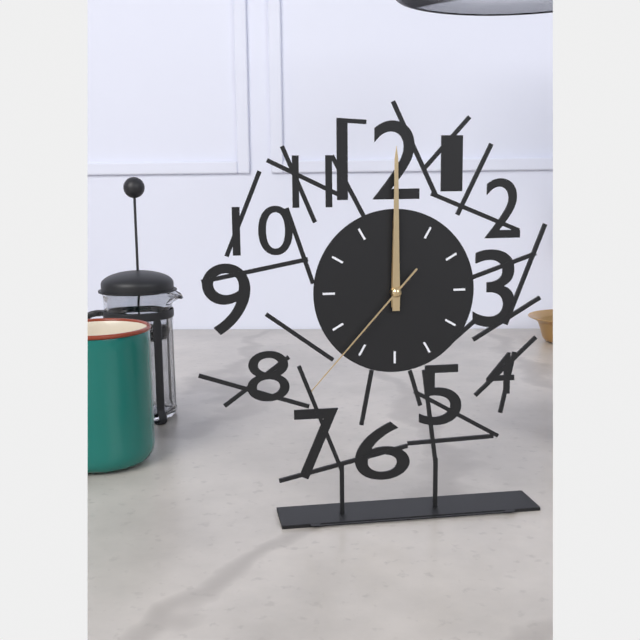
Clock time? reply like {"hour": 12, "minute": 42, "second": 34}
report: {"hour": 12, "minute": 0, "second": 37}
